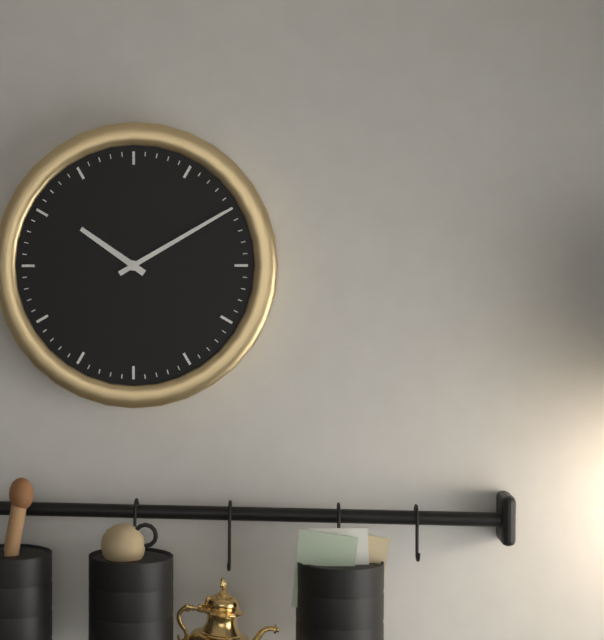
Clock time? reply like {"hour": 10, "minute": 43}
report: {"hour": 10, "minute": 10}
